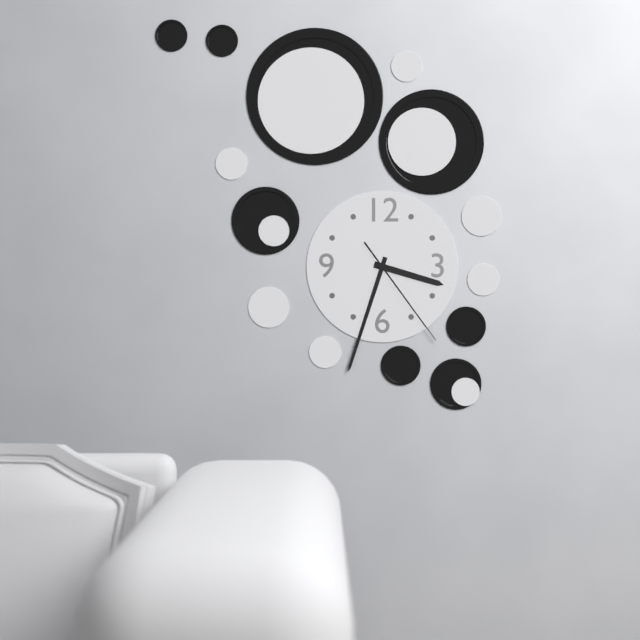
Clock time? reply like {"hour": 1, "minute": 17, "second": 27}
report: {"hour": 3, "minute": 33, "second": 24}
